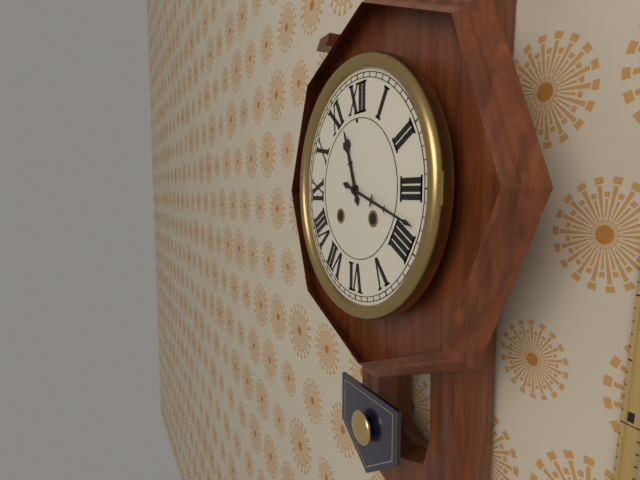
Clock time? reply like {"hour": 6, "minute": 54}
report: {"hour": 11, "minute": 18}
